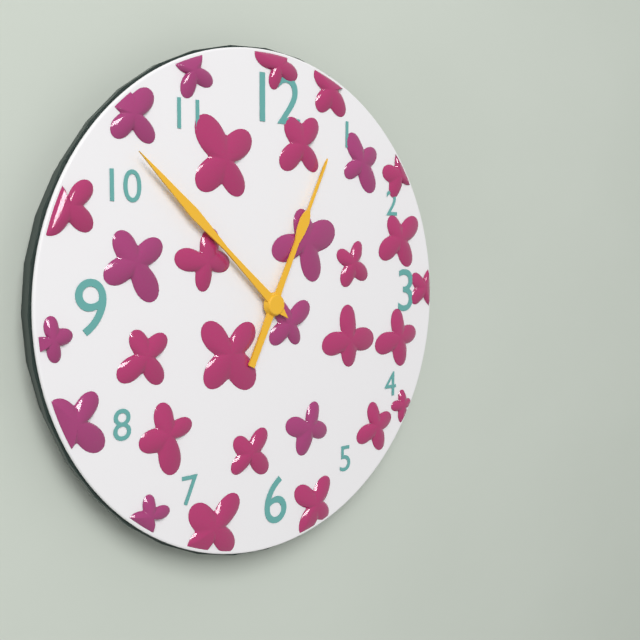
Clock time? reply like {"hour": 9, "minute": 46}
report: {"hour": 12, "minute": 52}
